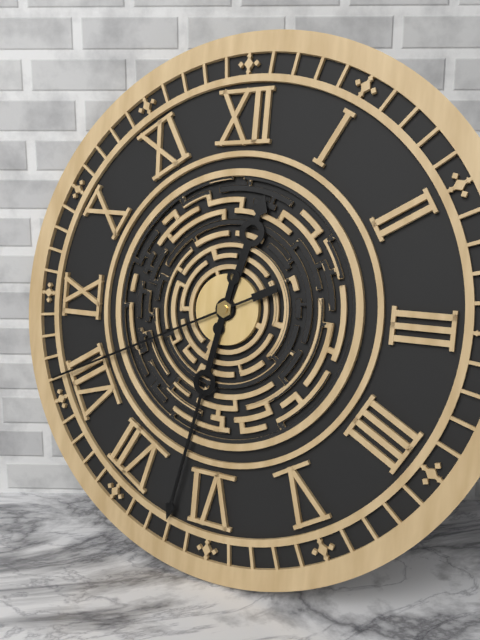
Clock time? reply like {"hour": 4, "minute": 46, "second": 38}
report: {"hour": 12, "minute": 32, "second": 41}
